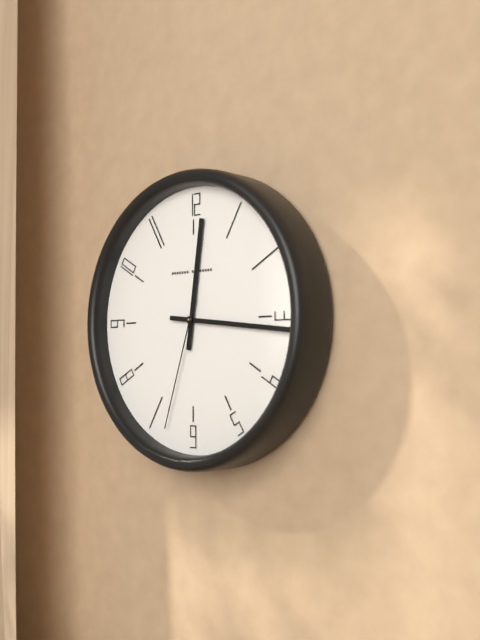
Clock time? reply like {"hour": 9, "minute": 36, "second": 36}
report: {"hour": 12, "minute": 16, "second": 33}
